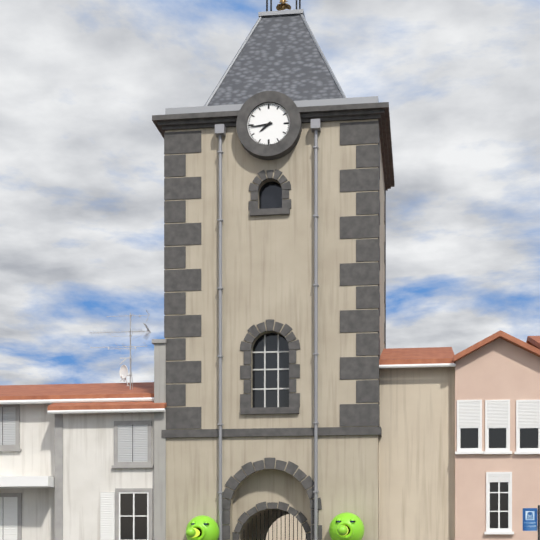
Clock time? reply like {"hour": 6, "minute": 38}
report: {"hour": 7, "minute": 44}
